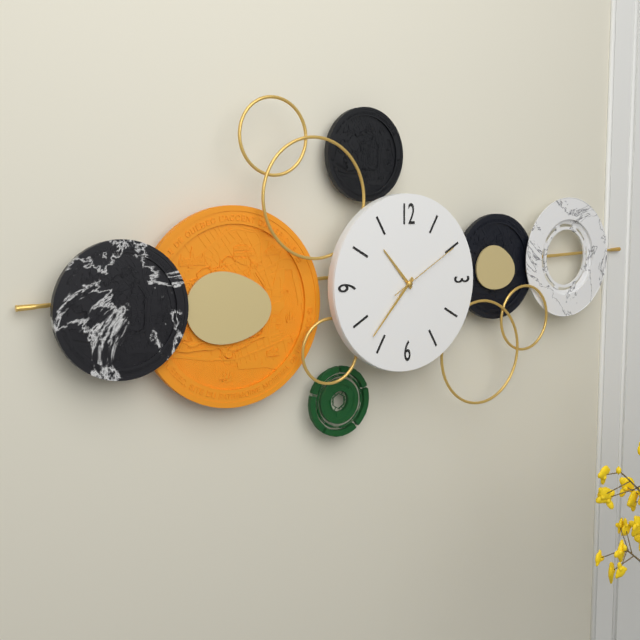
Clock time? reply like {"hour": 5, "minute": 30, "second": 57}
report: {"hour": 10, "minute": 37, "second": 10}
